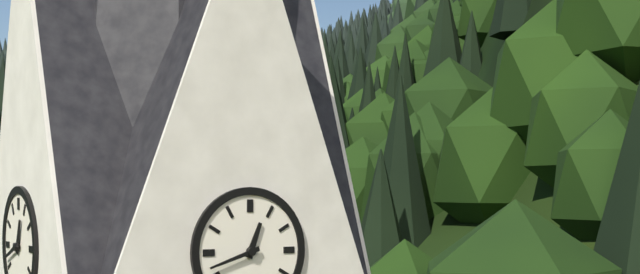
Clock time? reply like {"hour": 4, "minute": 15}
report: {"hour": 12, "minute": 42}
